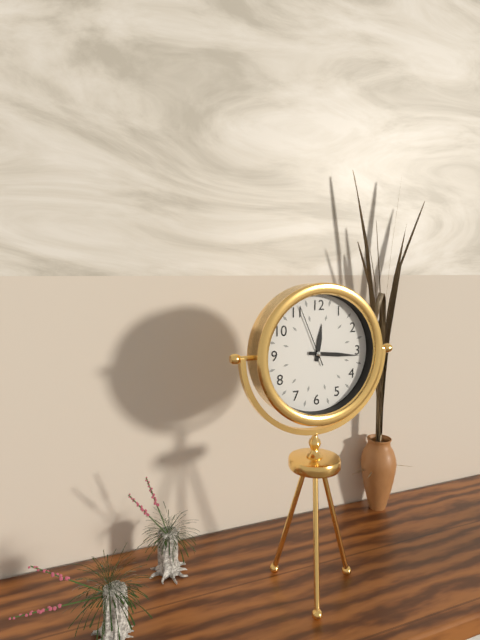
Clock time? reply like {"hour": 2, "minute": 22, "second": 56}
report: {"hour": 12, "minute": 16, "second": 56}
